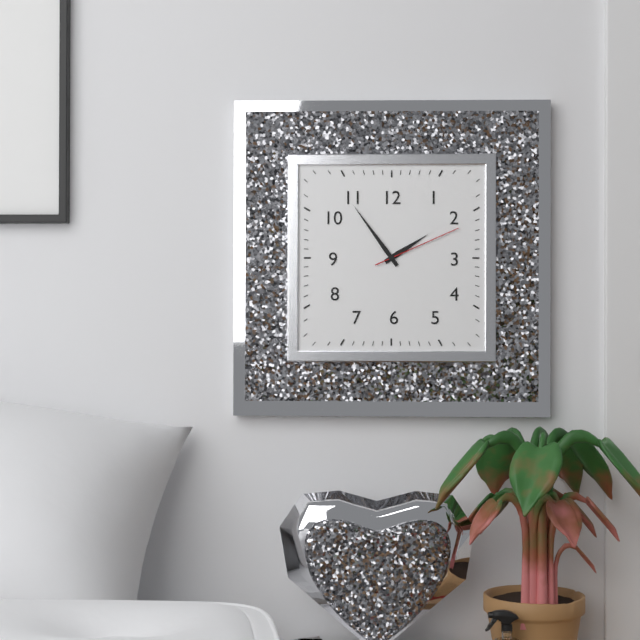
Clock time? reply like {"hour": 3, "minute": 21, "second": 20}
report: {"hour": 1, "minute": 54, "second": 11}
